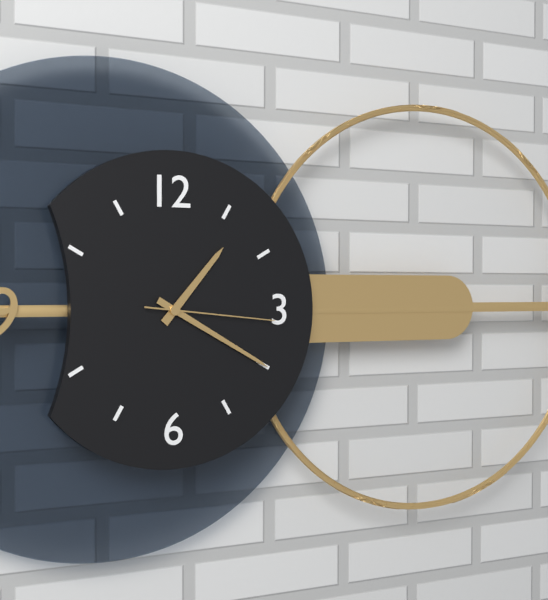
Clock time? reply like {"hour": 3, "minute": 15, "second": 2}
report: {"hour": 1, "minute": 20, "second": 16}
